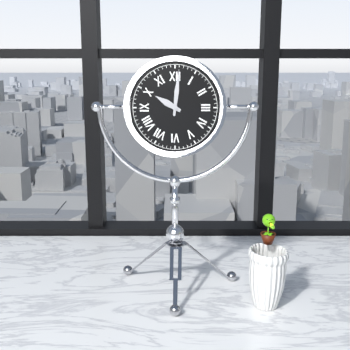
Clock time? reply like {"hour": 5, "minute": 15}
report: {"hour": 10, "minute": 1}
